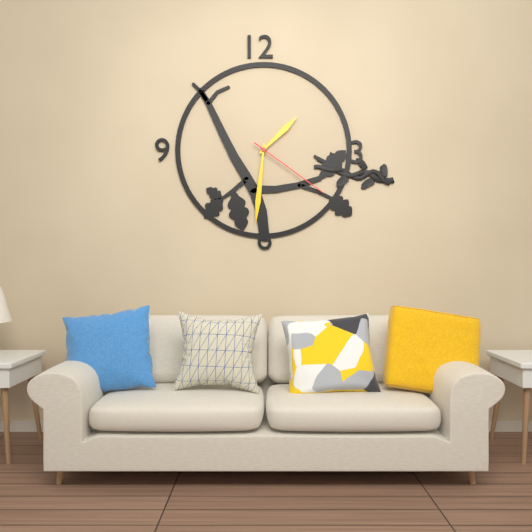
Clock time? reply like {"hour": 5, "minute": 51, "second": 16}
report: {"hour": 1, "minute": 31, "second": 21}
